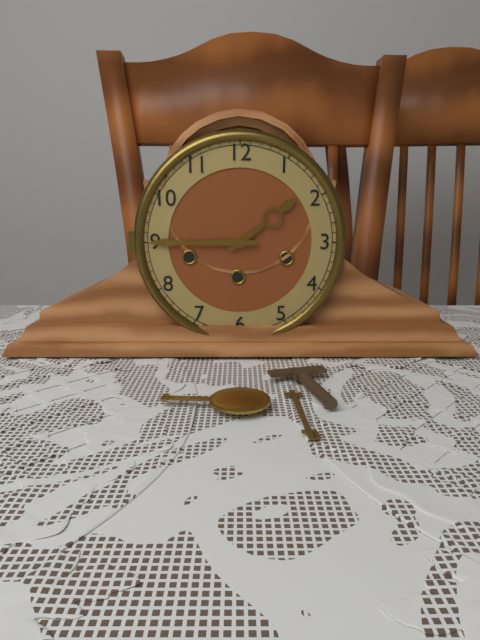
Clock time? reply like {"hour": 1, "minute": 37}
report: {"hour": 1, "minute": 45}
